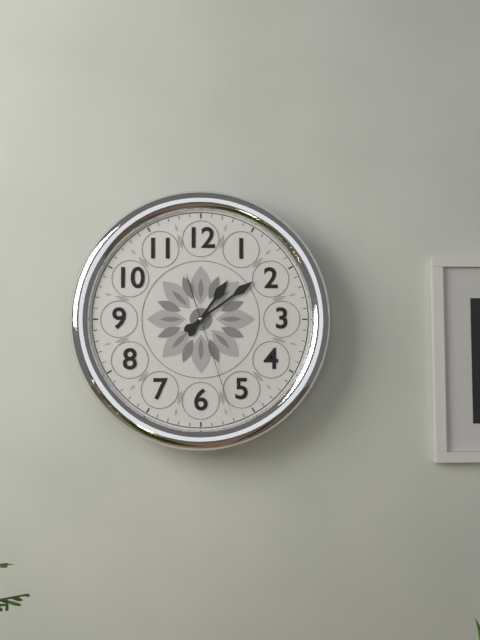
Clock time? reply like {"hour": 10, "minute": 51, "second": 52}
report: {"hour": 1, "minute": 9, "second": 27}
